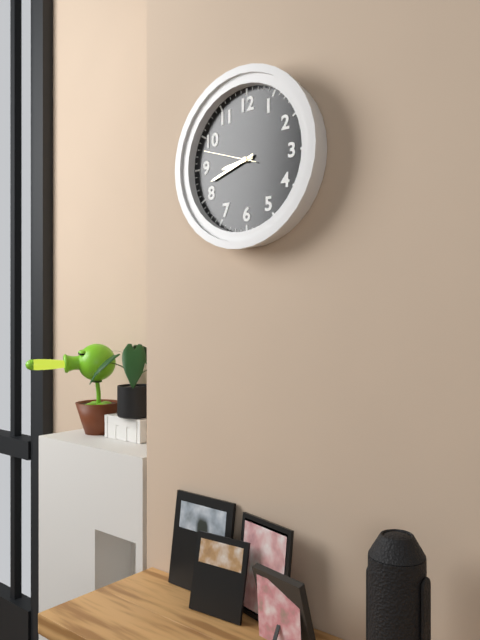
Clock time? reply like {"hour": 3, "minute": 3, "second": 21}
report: {"hour": 8, "minute": 42, "second": 48}
